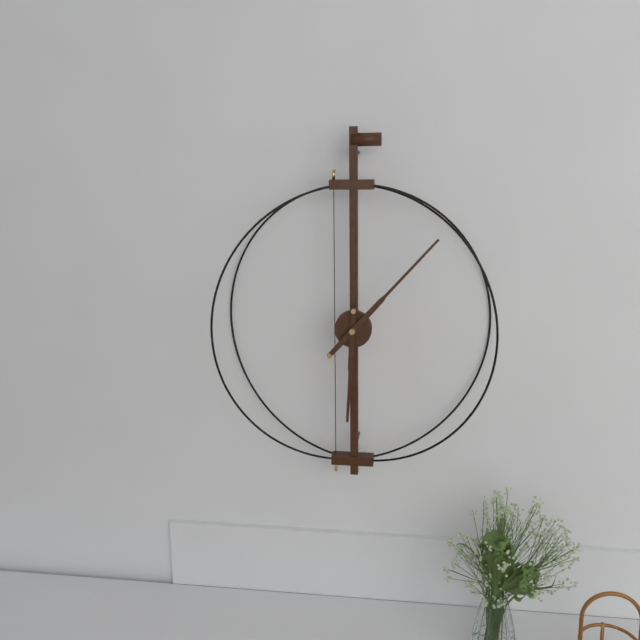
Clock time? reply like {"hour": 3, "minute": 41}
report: {"hour": 6, "minute": 7}
